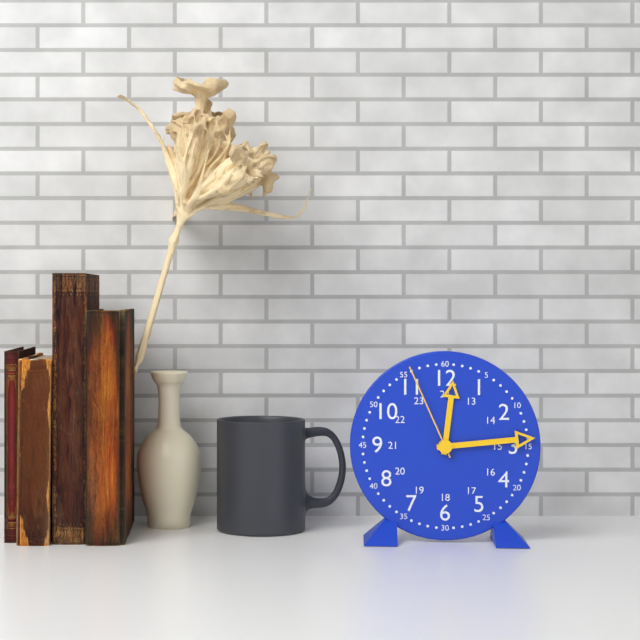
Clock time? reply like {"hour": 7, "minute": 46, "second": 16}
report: {"hour": 12, "minute": 14, "second": 56}
